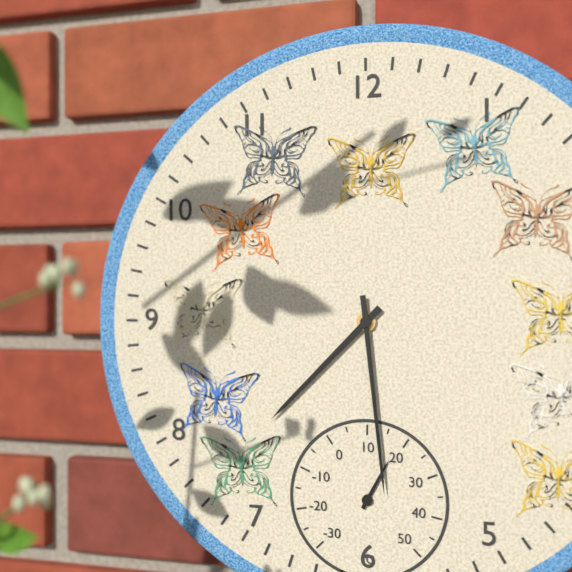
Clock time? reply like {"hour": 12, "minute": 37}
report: {"hour": 7, "minute": 29}
